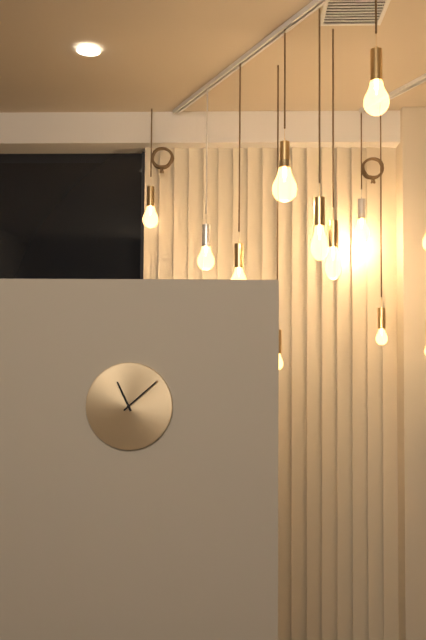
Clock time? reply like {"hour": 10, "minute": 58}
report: {"hour": 11, "minute": 8}
